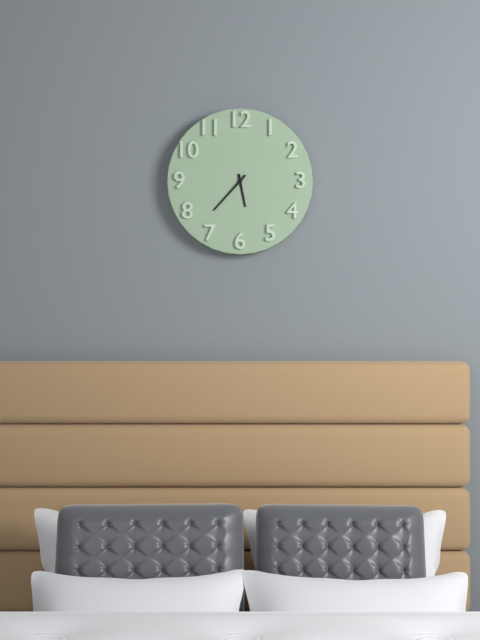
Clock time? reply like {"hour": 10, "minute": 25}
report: {"hour": 5, "minute": 37}
